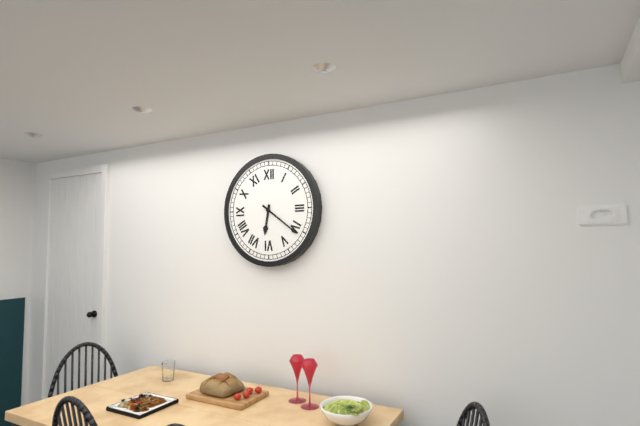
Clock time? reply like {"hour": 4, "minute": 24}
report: {"hour": 6, "minute": 21}
